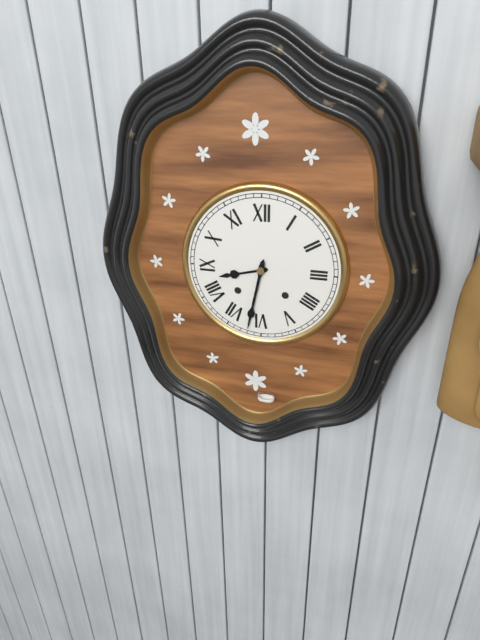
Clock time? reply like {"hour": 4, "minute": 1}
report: {"hour": 8, "minute": 32}
